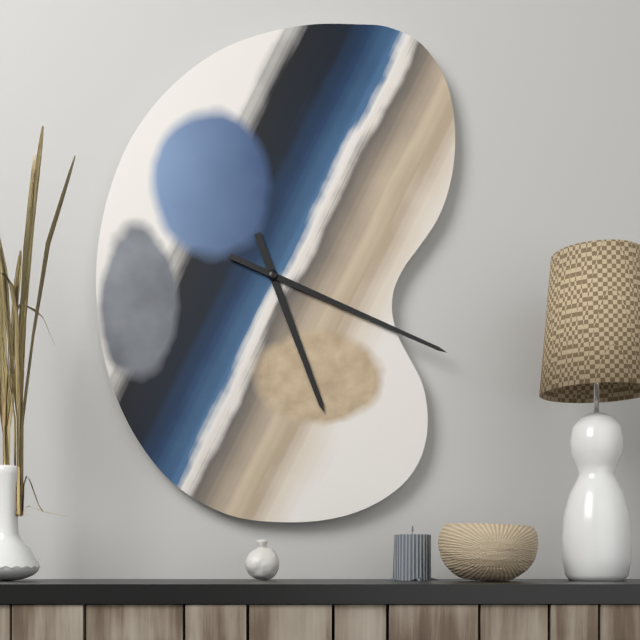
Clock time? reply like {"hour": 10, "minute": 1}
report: {"hour": 5, "minute": 19}
